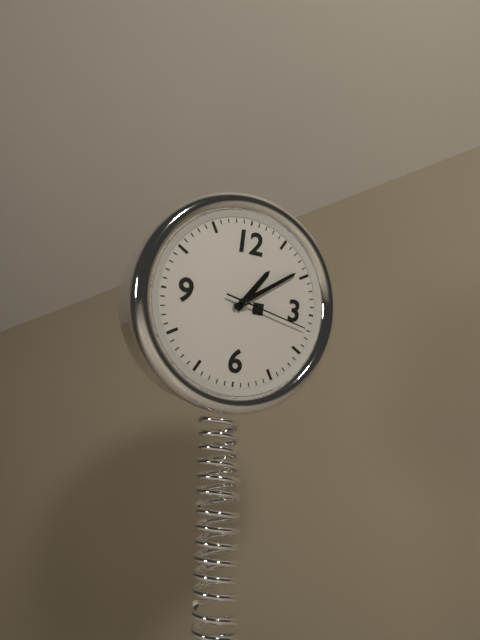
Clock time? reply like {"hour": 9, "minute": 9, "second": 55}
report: {"hour": 1, "minute": 9, "second": 17}
